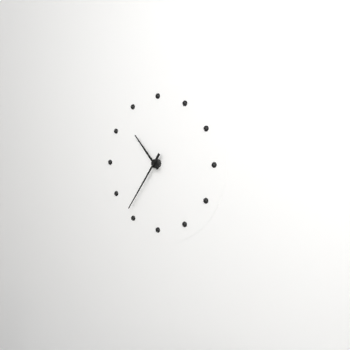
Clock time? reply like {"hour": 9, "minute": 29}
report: {"hour": 10, "minute": 36}
